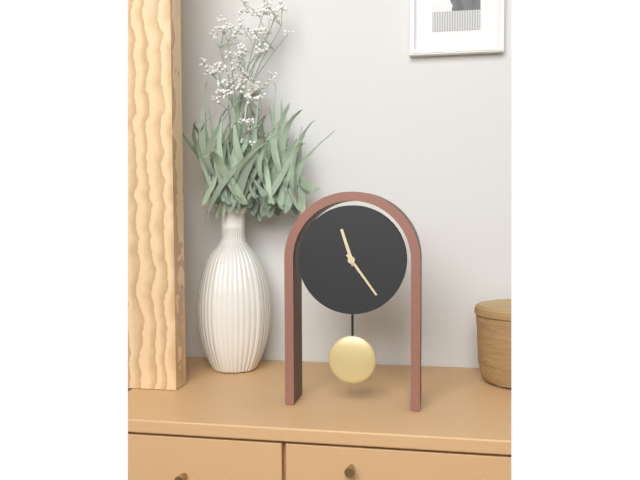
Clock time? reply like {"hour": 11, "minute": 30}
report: {"hour": 11, "minute": 24}
